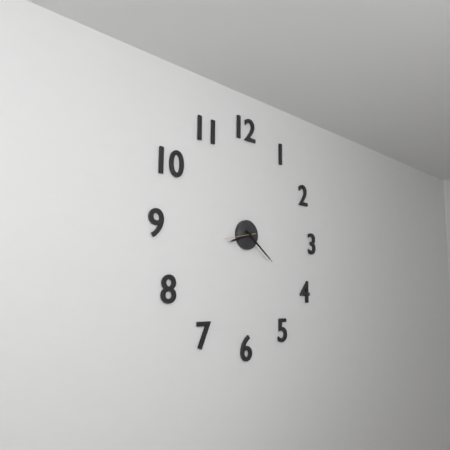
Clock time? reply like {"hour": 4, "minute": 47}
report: {"hour": 8, "minute": 21}
